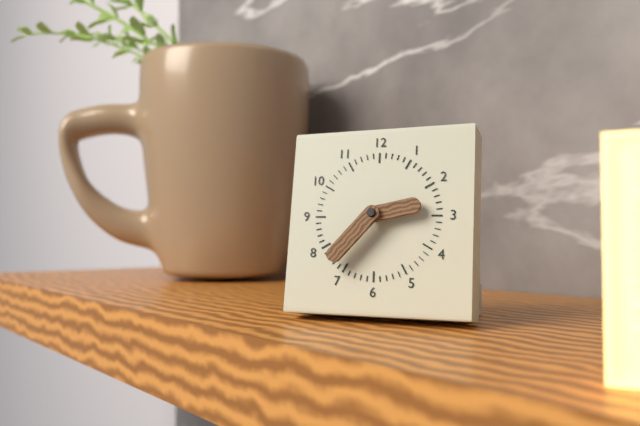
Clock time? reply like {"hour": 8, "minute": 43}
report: {"hour": 2, "minute": 37}
